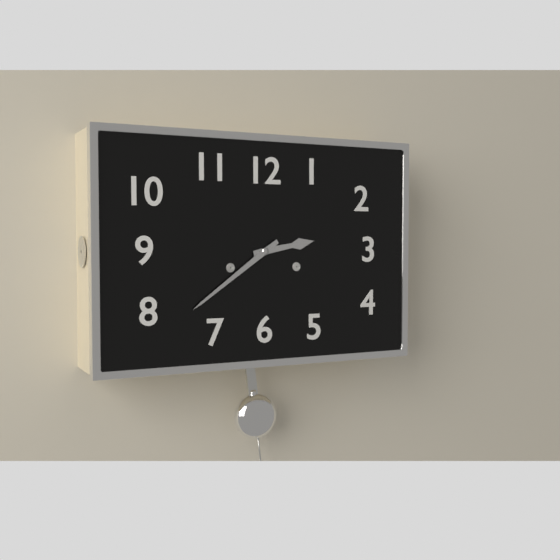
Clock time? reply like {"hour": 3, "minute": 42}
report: {"hour": 2, "minute": 39}
